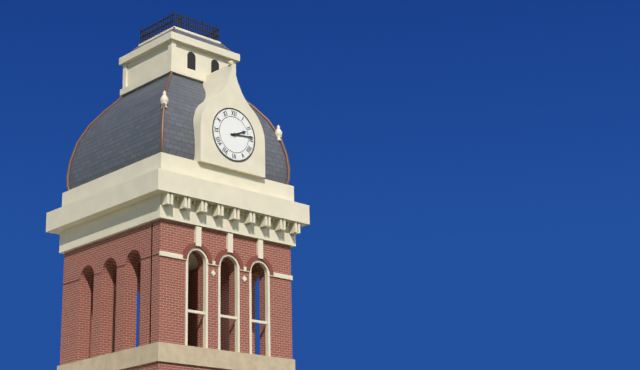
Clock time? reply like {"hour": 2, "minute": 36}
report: {"hour": 2, "minute": 14}
